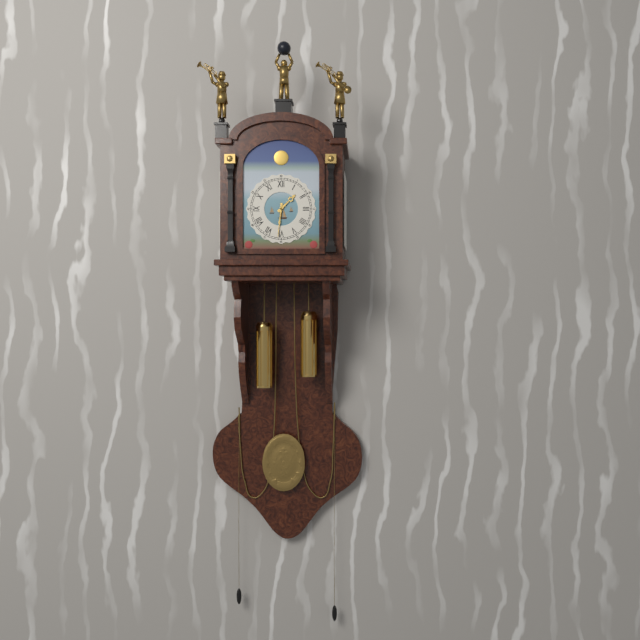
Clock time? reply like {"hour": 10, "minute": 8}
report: {"hour": 1, "minute": 31}
